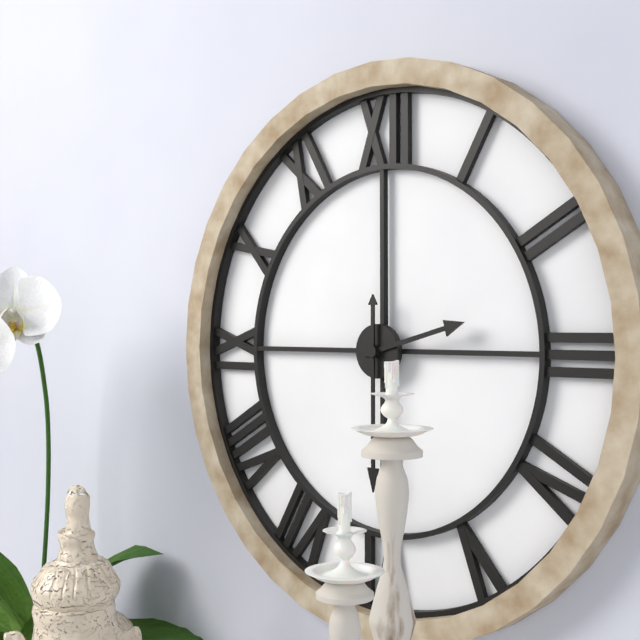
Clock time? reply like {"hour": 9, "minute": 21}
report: {"hour": 2, "minute": 30}
